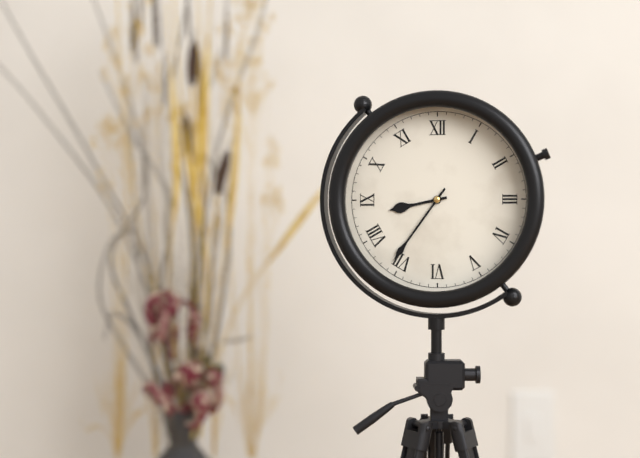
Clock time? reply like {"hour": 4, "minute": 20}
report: {"hour": 8, "minute": 36}
